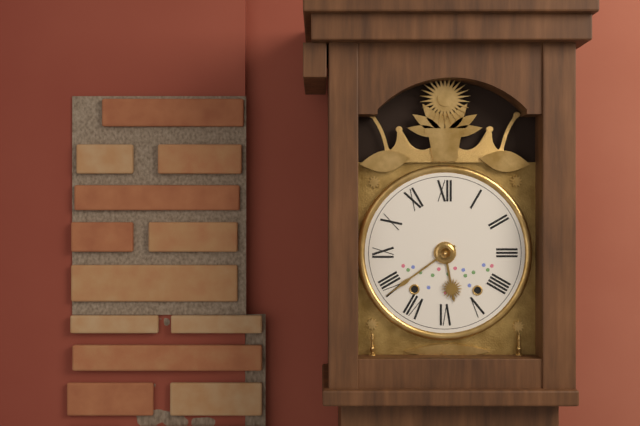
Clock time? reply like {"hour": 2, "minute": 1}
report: {"hour": 5, "minute": 39}
